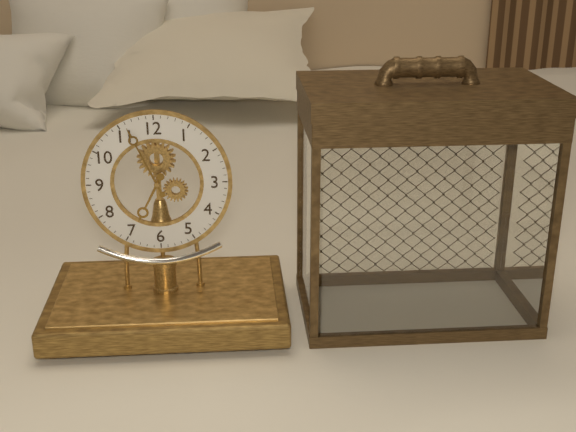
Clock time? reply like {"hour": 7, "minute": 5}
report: {"hour": 6, "minute": 56}
